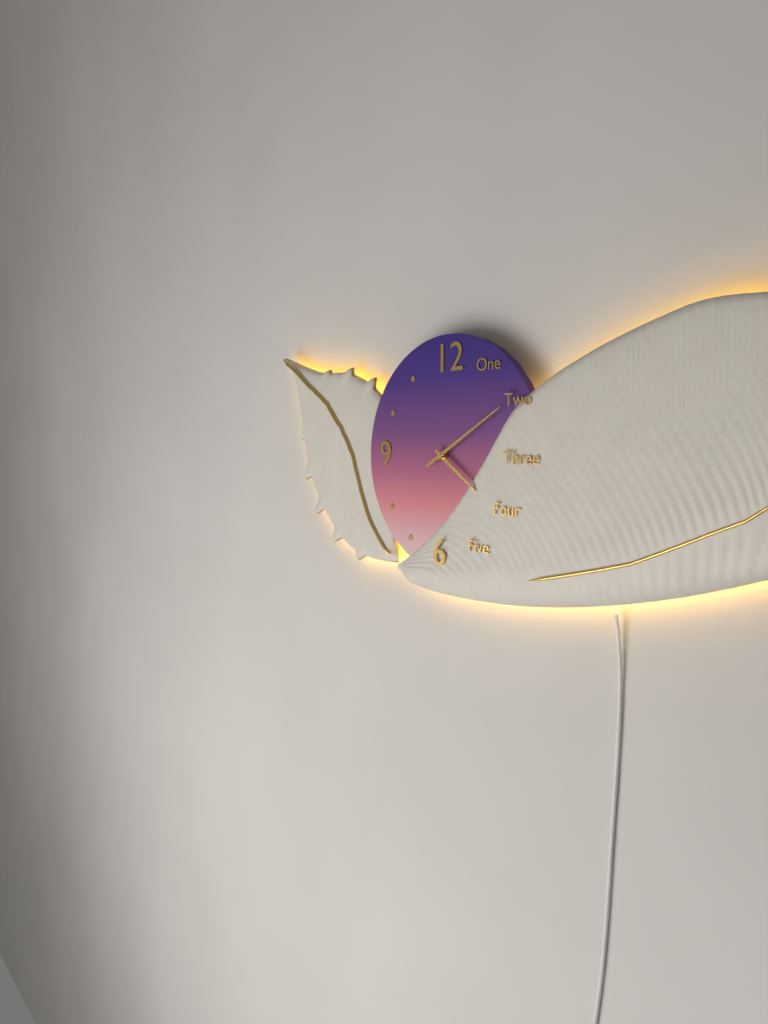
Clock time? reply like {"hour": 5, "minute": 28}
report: {"hour": 4, "minute": 10}
